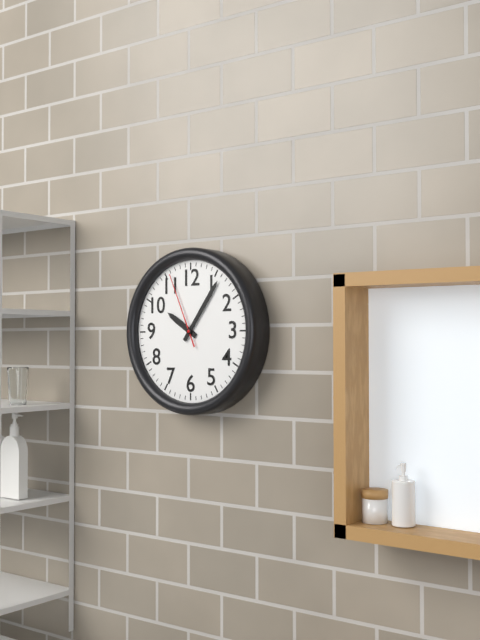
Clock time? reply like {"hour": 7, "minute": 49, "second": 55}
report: {"hour": 10, "minute": 6, "second": 56}
